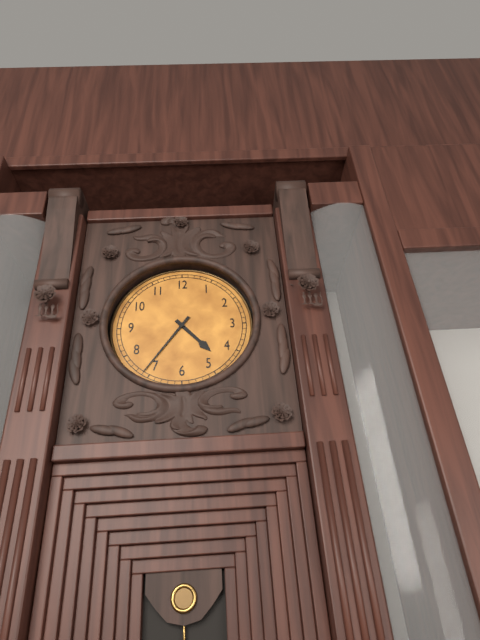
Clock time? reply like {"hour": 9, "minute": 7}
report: {"hour": 4, "minute": 36}
